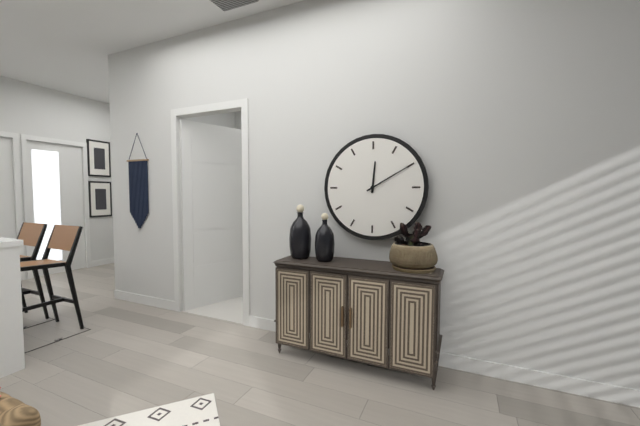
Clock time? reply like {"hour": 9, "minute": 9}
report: {"hour": 12, "minute": 10}
